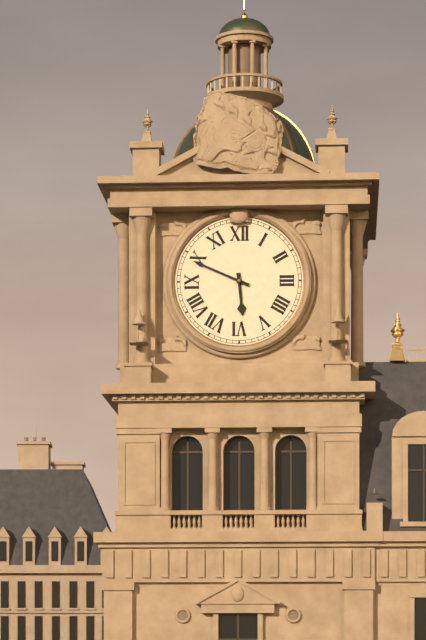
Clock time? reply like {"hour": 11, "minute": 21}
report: {"hour": 5, "minute": 49}
